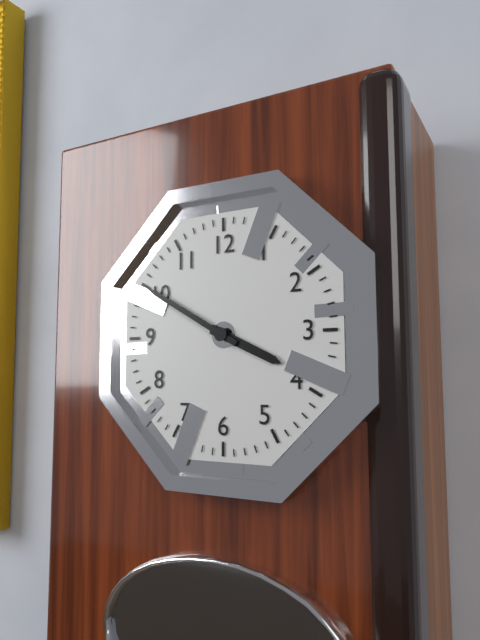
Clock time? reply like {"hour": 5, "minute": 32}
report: {"hour": 3, "minute": 50}
